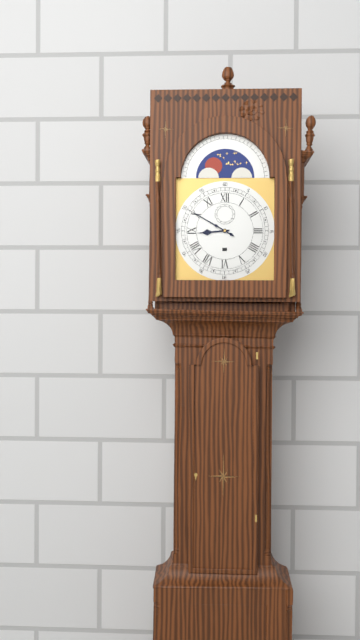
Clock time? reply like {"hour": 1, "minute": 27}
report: {"hour": 8, "minute": 50}
